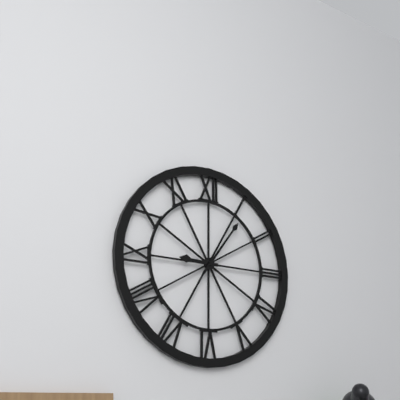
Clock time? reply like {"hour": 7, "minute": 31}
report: {"hour": 9, "minute": 6}
